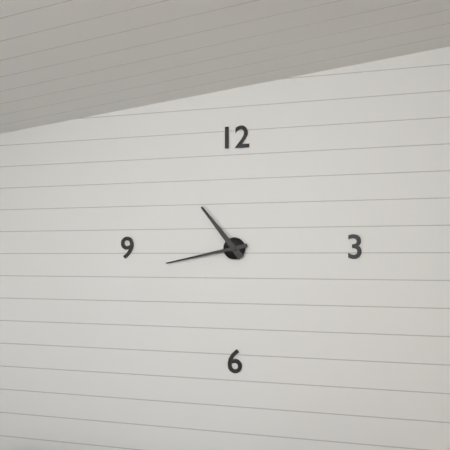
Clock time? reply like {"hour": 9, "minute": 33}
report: {"hour": 10, "minute": 43}
